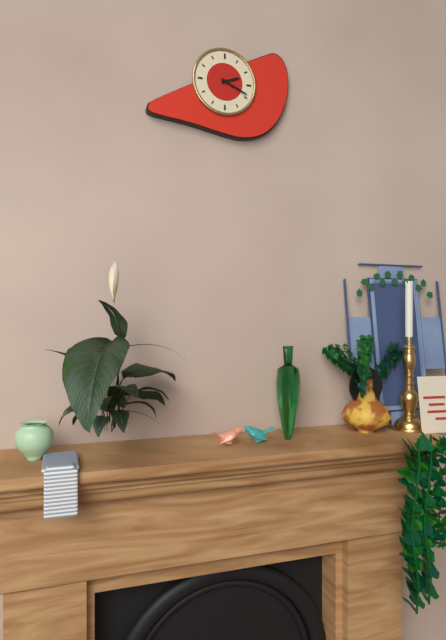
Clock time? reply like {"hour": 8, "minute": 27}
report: {"hour": 2, "minute": 19}
